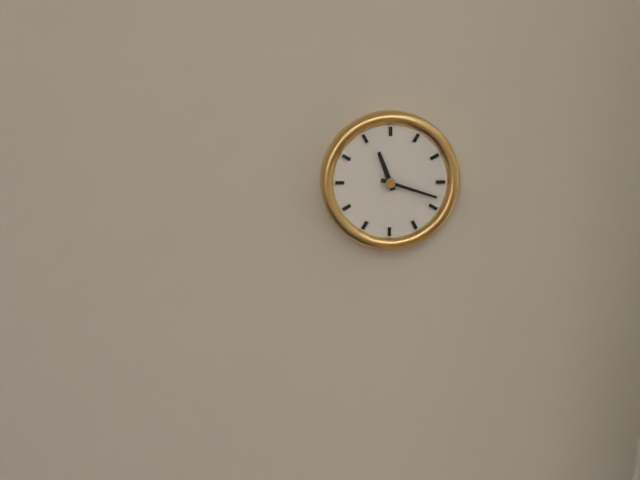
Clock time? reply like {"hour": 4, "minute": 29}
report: {"hour": 11, "minute": 18}
